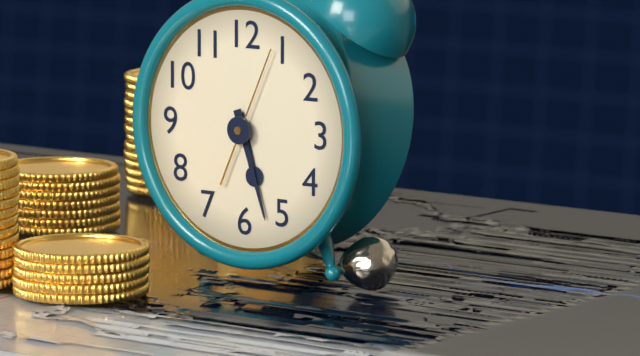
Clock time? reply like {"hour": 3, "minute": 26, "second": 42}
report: {"hour": 5, "minute": 27, "second": 4}
